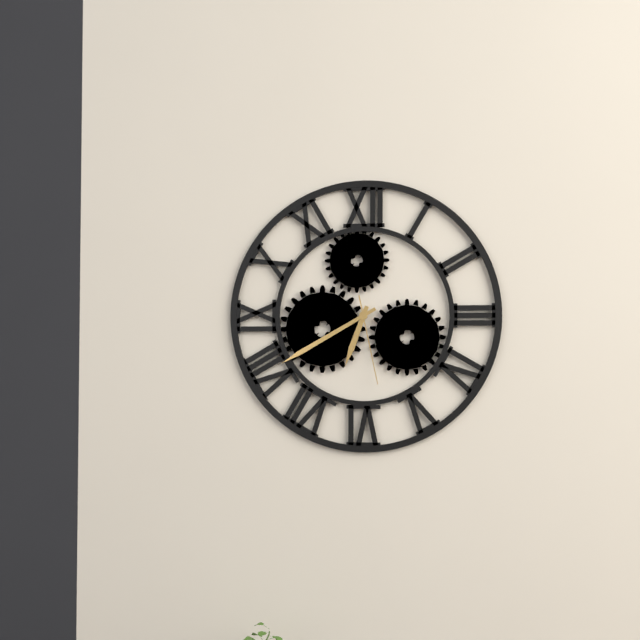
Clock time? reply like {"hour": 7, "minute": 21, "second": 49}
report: {"hour": 6, "minute": 40, "second": 28}
